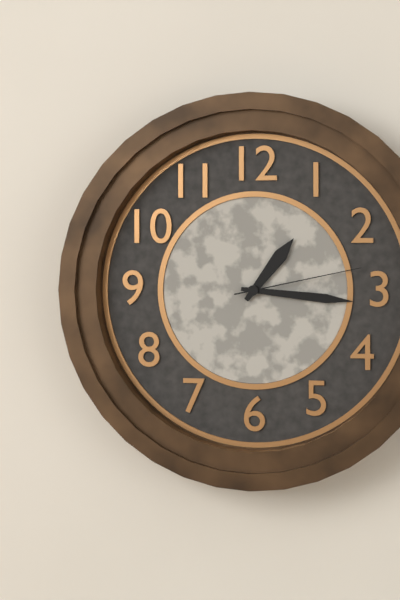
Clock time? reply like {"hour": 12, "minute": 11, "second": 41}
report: {"hour": 1, "minute": 16, "second": 13}
